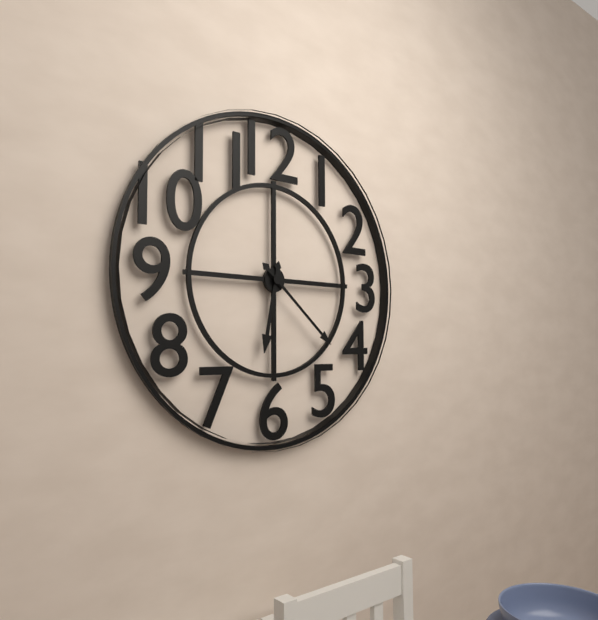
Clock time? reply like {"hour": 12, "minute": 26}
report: {"hour": 6, "minute": 22}
